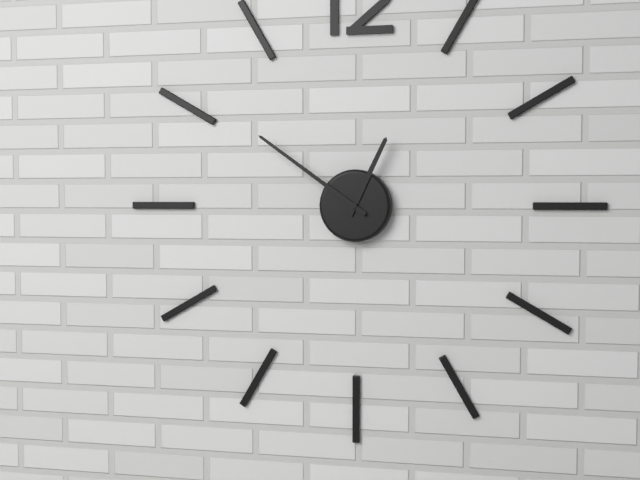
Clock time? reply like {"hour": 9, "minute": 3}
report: {"hour": 12, "minute": 51}
